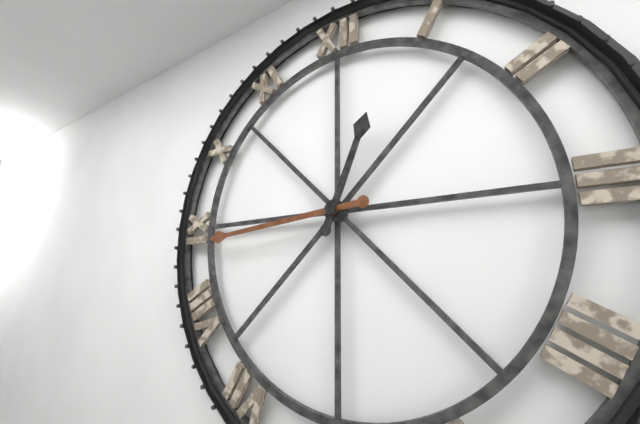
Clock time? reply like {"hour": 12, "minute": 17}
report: {"hour": 12, "minute": 44}
